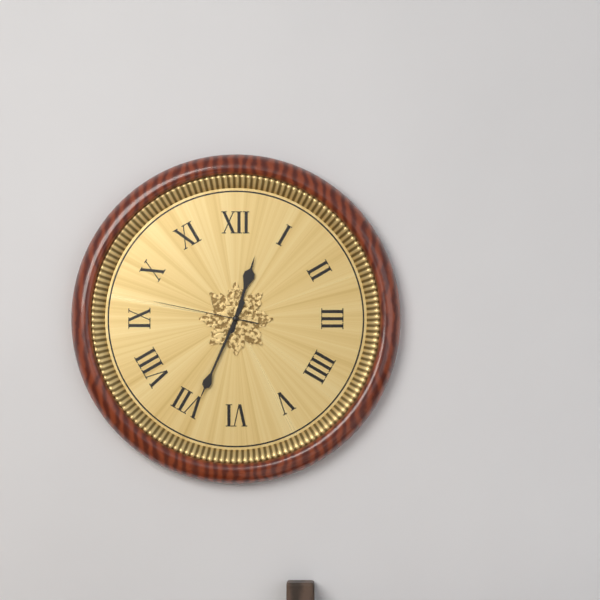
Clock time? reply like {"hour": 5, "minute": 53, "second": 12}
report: {"hour": 12, "minute": 34, "second": 47}
